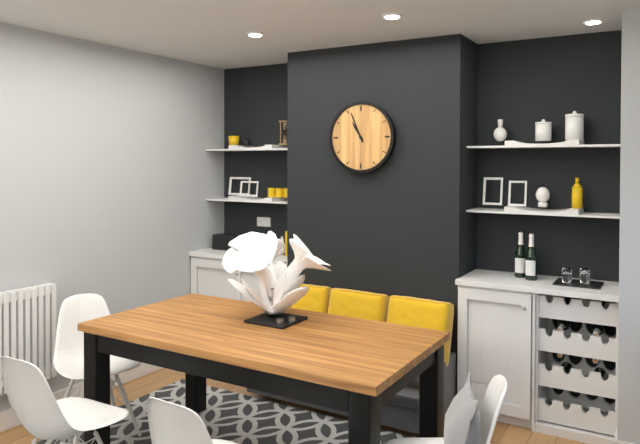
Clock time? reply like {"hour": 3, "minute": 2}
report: {"hour": 10, "minute": 56}
